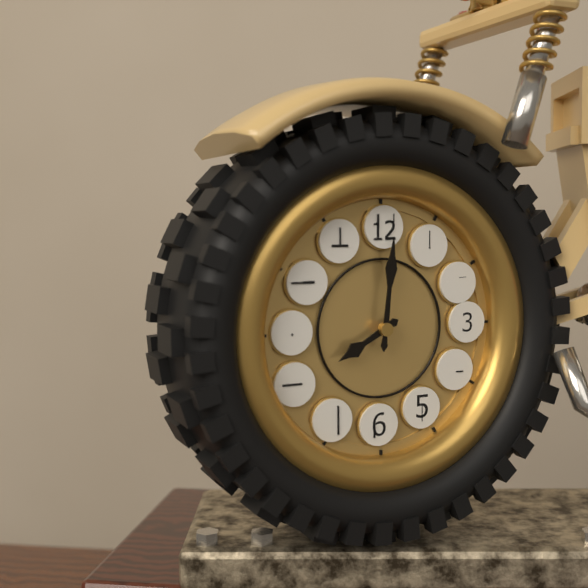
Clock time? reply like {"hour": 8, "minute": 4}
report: {"hour": 8, "minute": 1}
